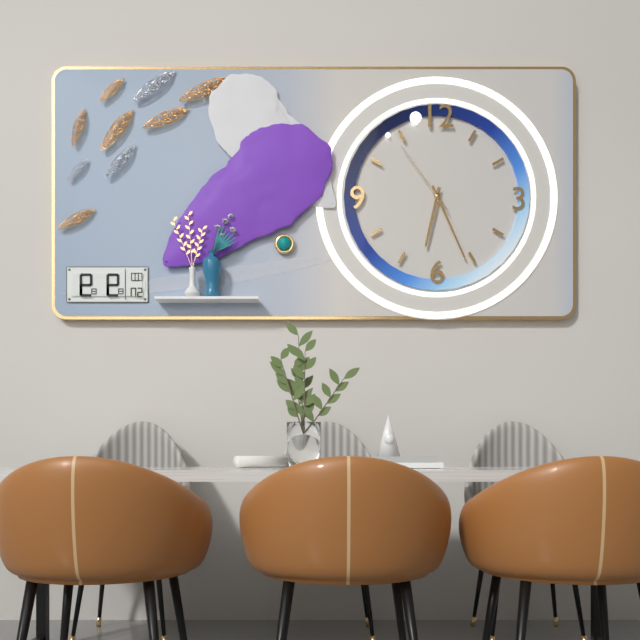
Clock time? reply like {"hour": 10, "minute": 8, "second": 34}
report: {"hour": 6, "minute": 26, "second": 54}
